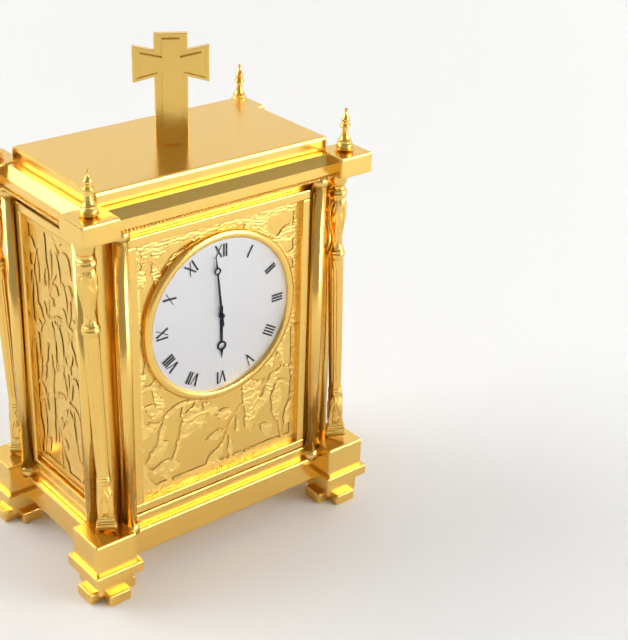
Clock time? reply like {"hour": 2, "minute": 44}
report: {"hour": 5, "minute": 59}
